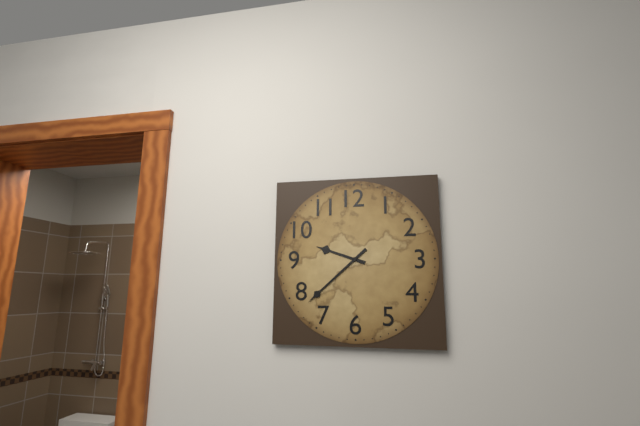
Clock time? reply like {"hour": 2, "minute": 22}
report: {"hour": 9, "minute": 38}
